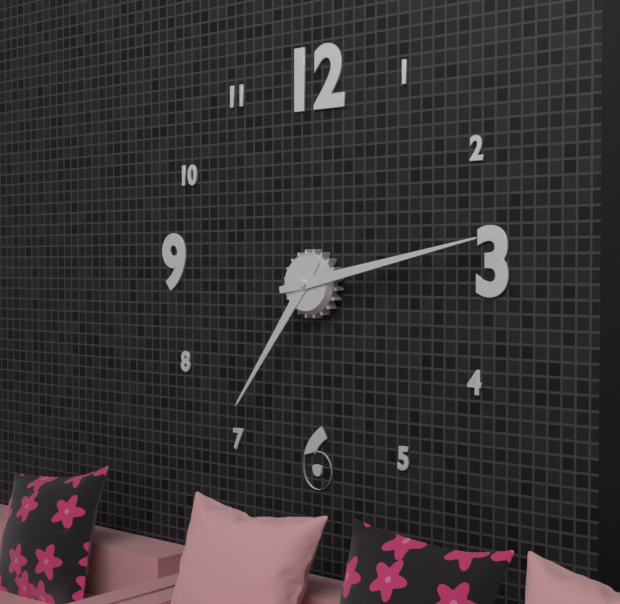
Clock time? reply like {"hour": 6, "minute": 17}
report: {"hour": 7, "minute": 13}
